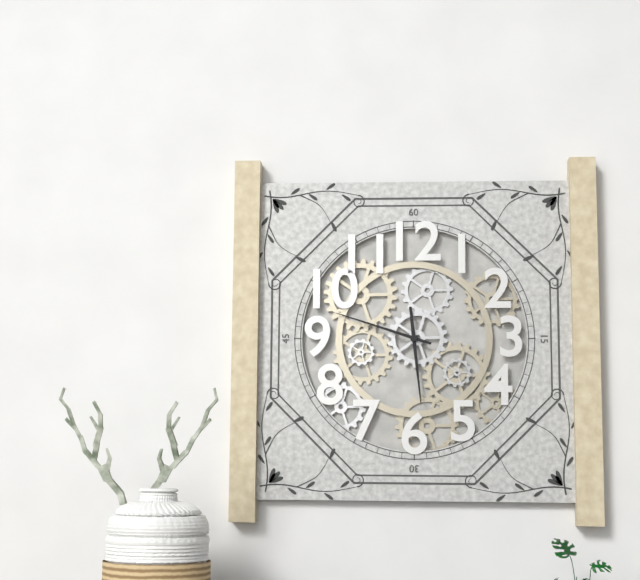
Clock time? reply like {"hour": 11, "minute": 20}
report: {"hour": 5, "minute": 48}
